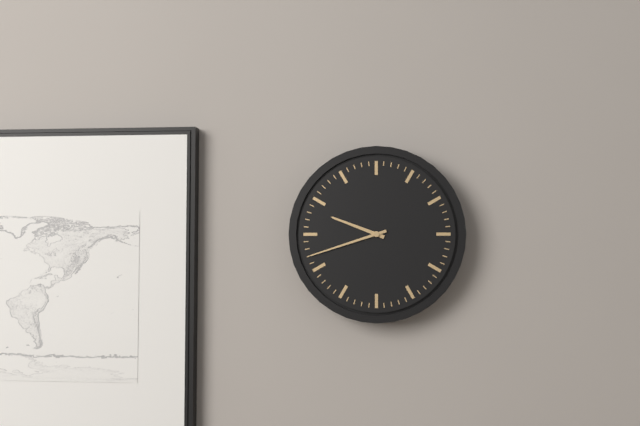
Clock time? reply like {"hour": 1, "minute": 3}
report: {"hour": 9, "minute": 42}
